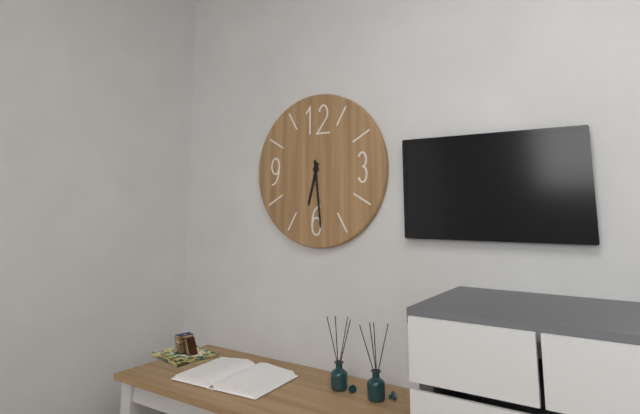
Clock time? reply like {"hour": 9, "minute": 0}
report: {"hour": 6, "minute": 29}
